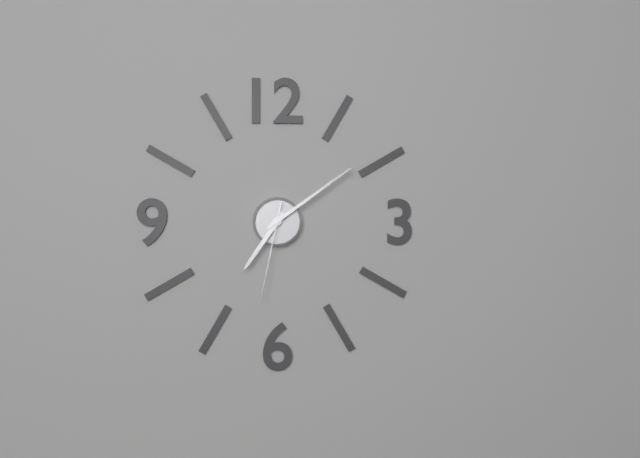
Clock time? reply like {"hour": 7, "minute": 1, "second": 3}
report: {"hour": 7, "minute": 9, "second": 32}
